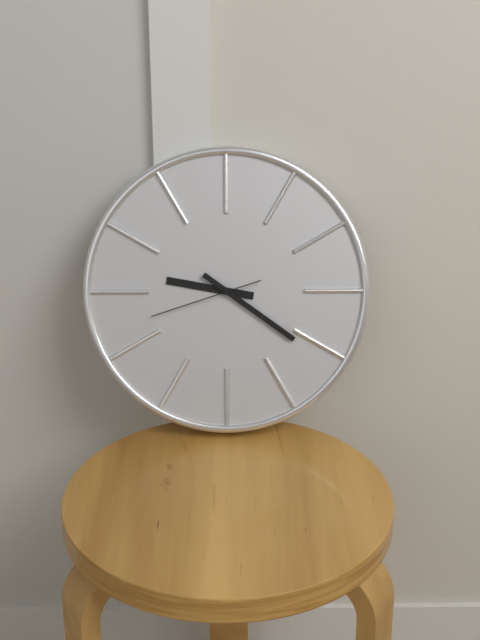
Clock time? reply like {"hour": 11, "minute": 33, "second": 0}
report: {"hour": 9, "minute": 21, "second": 42}
